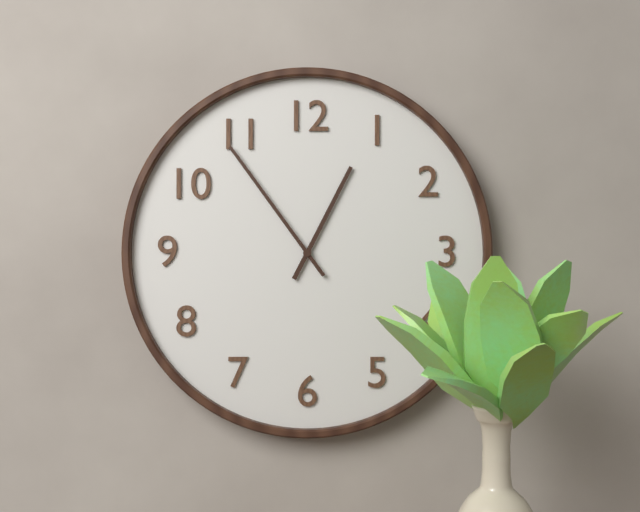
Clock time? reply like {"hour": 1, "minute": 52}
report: {"hour": 12, "minute": 54}
